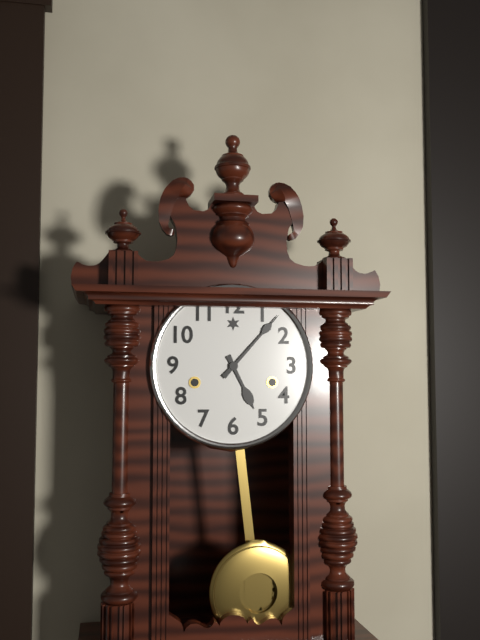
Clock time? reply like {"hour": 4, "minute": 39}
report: {"hour": 5, "minute": 7}
